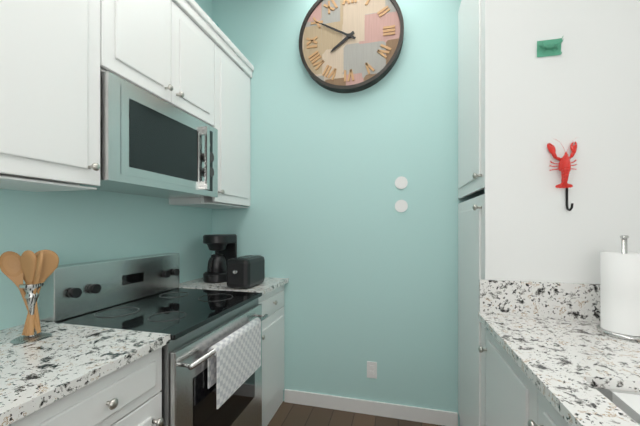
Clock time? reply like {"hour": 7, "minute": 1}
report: {"hour": 7, "minute": 50}
